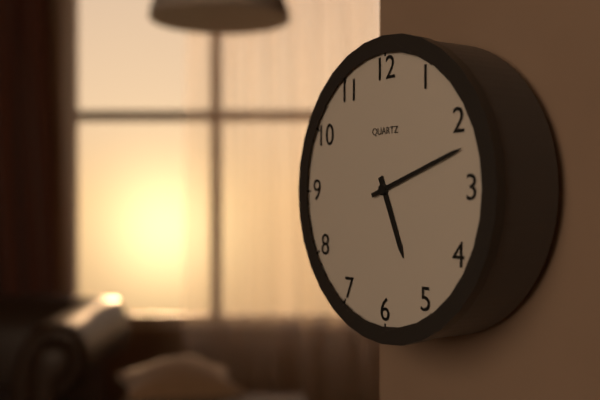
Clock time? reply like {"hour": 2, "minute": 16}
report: {"hour": 5, "minute": 12}
